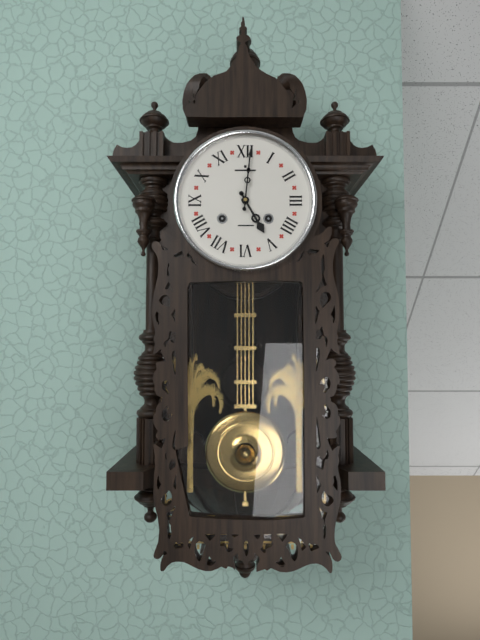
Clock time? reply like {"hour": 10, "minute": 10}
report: {"hour": 5, "minute": 1}
